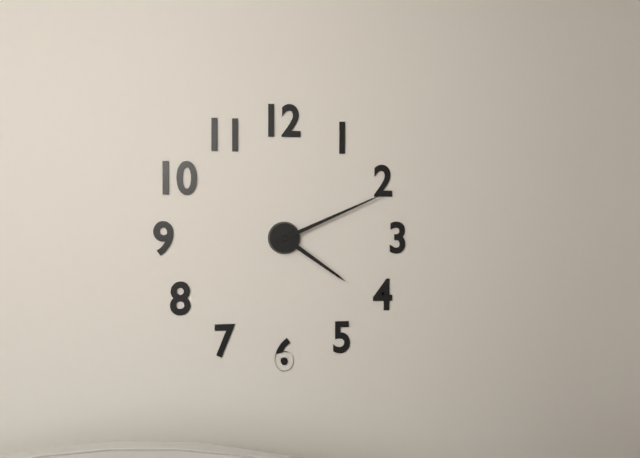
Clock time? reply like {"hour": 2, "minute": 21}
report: {"hour": 4, "minute": 11}
